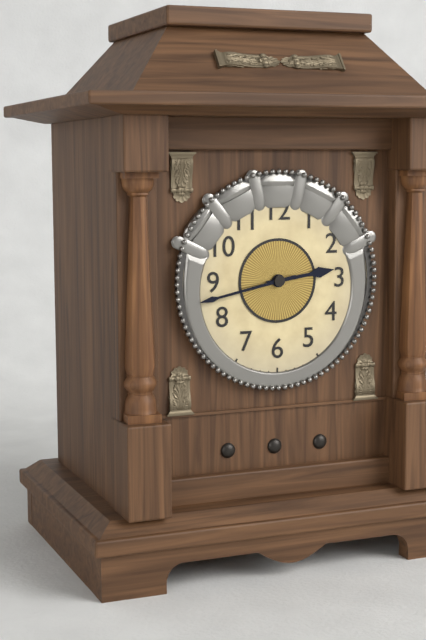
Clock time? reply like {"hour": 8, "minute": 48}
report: {"hour": 2, "minute": 43}
